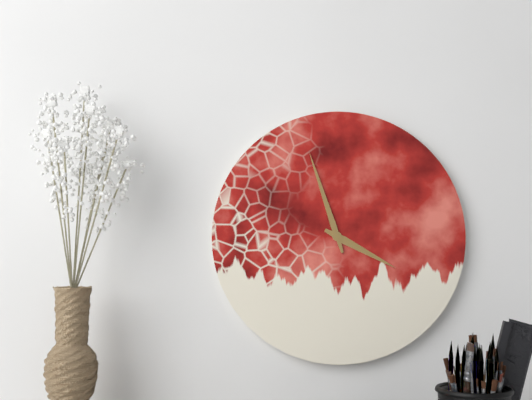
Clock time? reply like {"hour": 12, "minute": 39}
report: {"hour": 3, "minute": 57}
